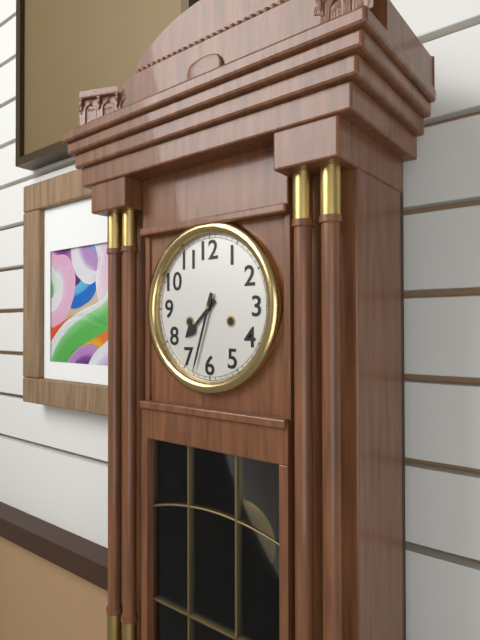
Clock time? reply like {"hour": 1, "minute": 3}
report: {"hour": 7, "minute": 33}
